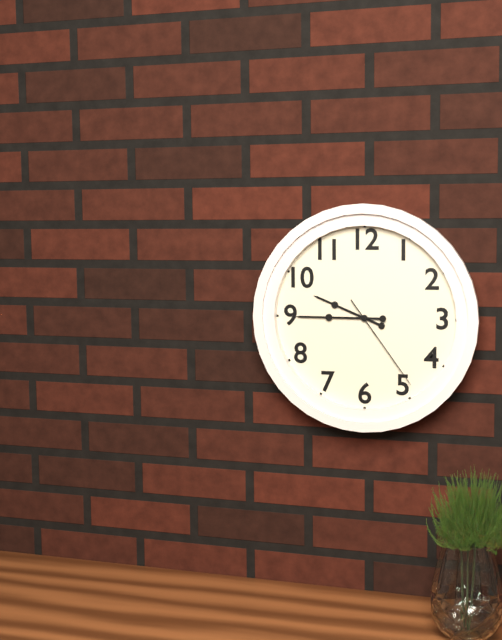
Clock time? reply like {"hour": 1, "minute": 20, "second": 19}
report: {"hour": 9, "minute": 45, "second": 24}
